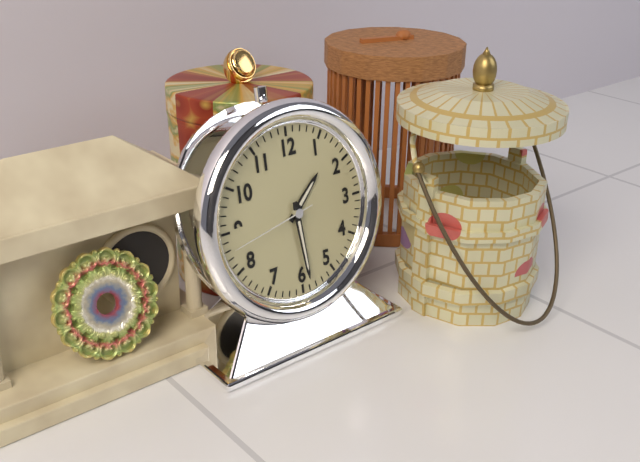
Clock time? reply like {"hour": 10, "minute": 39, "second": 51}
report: {"hour": 1, "minute": 29, "second": 43}
